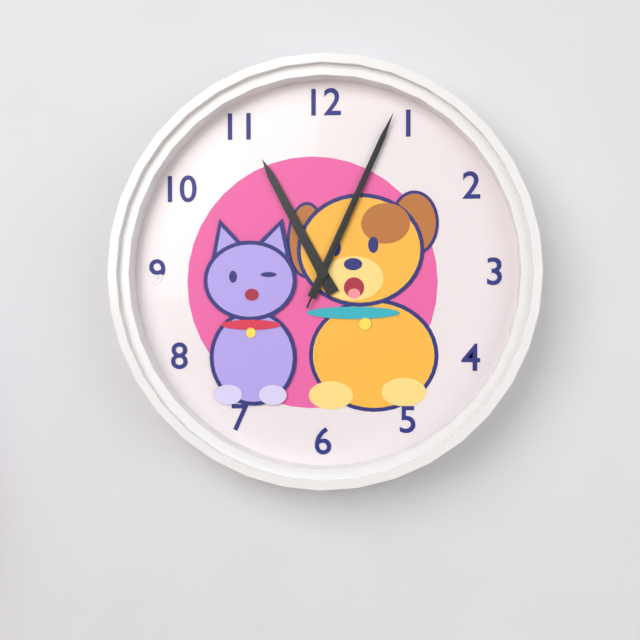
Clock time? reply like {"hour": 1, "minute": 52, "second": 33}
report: {"hour": 11, "minute": 4, "second": 4}
